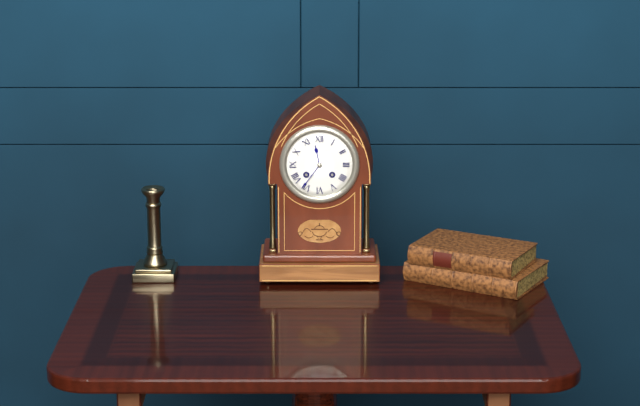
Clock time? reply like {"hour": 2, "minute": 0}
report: {"hour": 11, "minute": 36}
